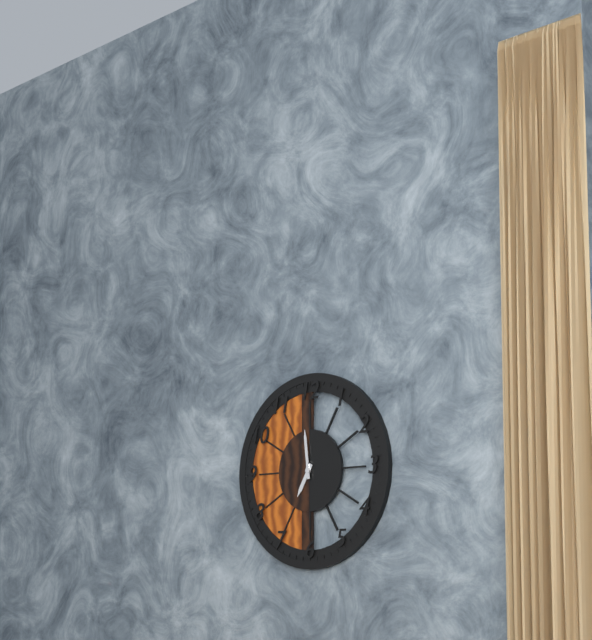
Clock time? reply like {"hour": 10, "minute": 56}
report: {"hour": 6, "minute": 59}
